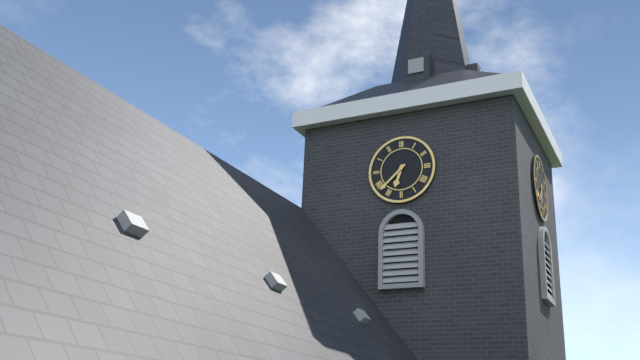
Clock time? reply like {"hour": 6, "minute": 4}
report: {"hour": 6, "minute": 38}
